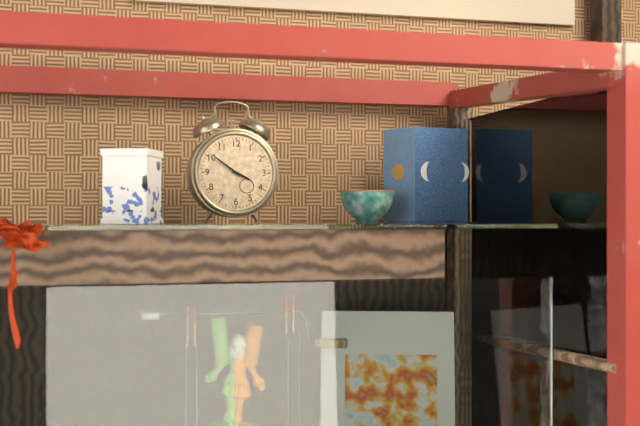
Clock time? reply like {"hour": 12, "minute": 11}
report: {"hour": 3, "minute": 51}
